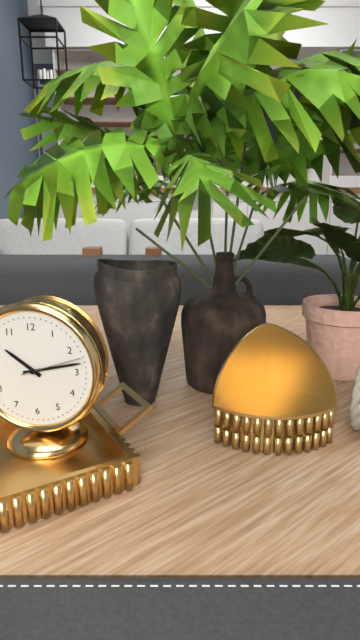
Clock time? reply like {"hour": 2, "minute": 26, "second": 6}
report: {"hour": 10, "minute": 13, "second": 12}
